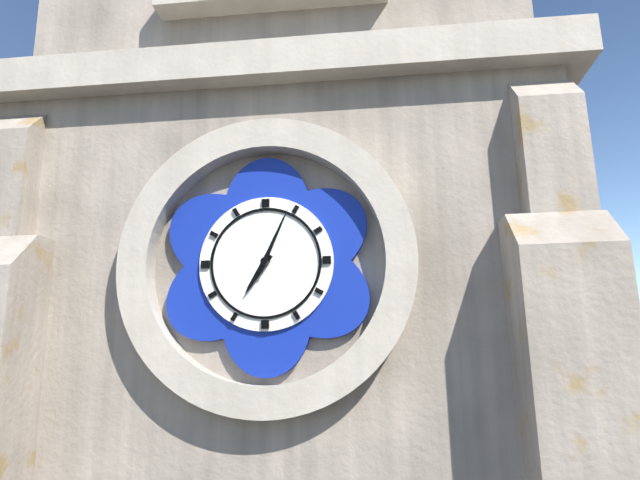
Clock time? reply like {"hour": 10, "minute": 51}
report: {"hour": 7, "minute": 4}
